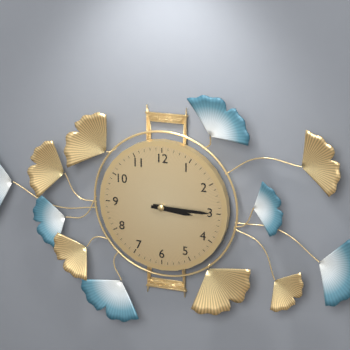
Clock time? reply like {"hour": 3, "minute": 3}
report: {"hour": 3, "minute": 15}
